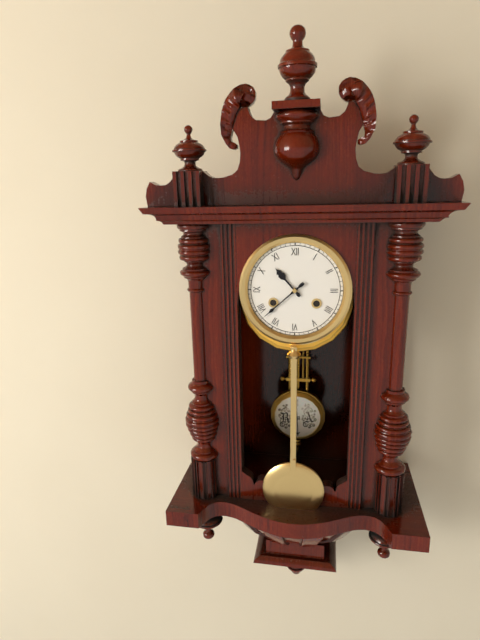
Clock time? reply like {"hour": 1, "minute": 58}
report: {"hour": 10, "minute": 38}
